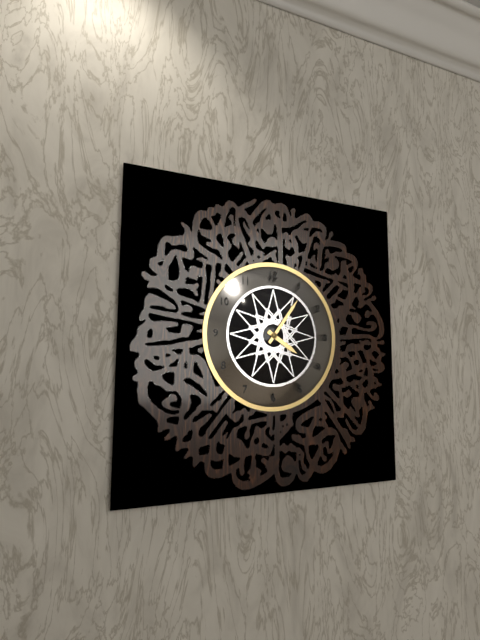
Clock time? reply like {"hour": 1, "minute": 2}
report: {"hour": 4, "minute": 6}
